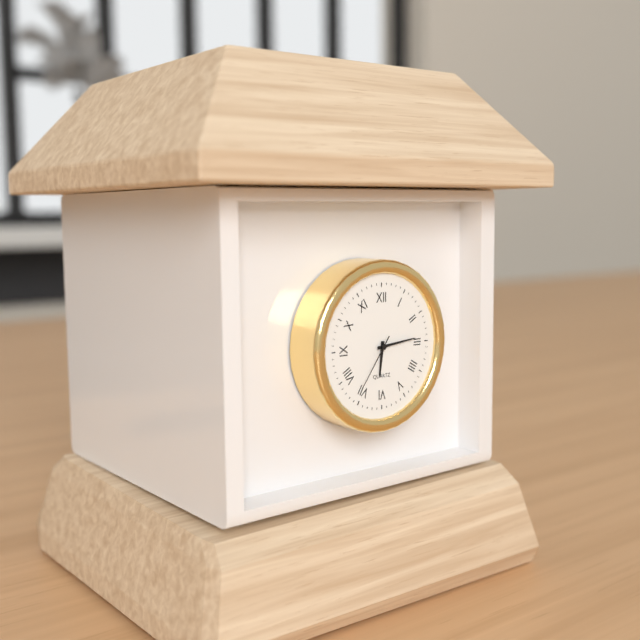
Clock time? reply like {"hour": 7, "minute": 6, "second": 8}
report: {"hour": 6, "minute": 14, "second": 36}
